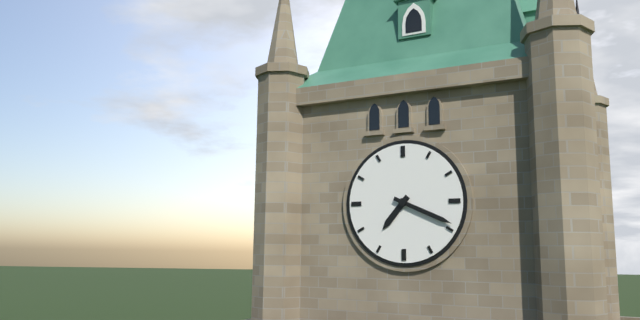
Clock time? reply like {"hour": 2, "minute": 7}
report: {"hour": 7, "minute": 19}
